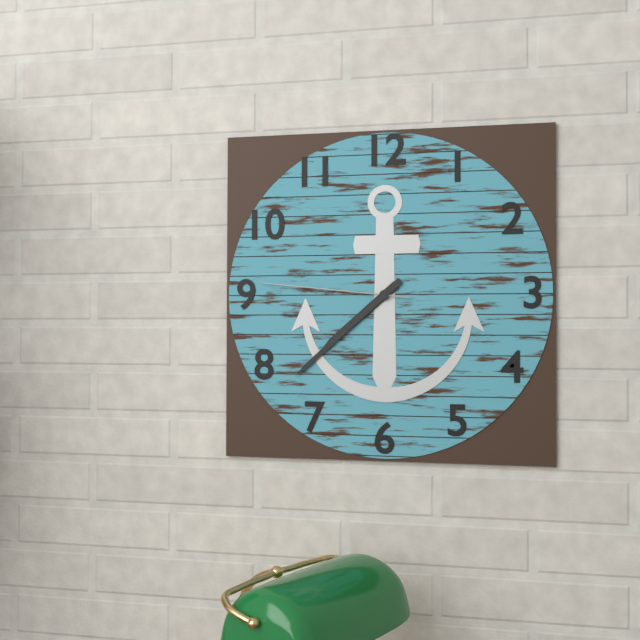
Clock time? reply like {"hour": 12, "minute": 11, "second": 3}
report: {"hour": 7, "minute": 38, "second": 46}
